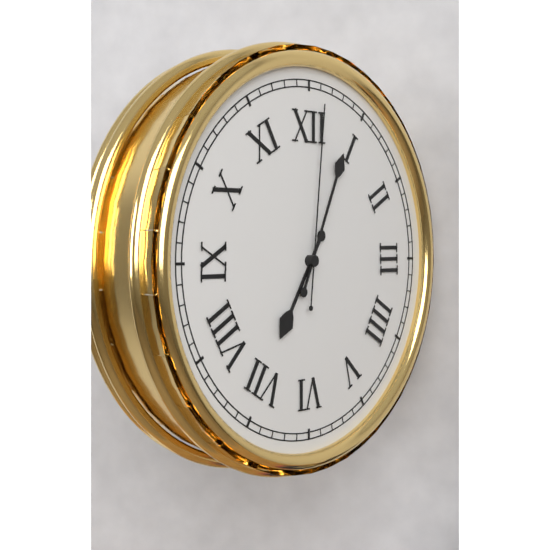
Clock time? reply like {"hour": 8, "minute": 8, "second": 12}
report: {"hour": 7, "minute": 4, "second": 1}
